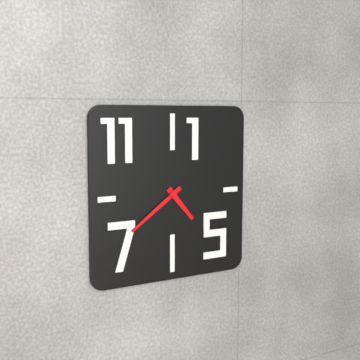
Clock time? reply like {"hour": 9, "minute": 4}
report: {"hour": 4, "minute": 39}
